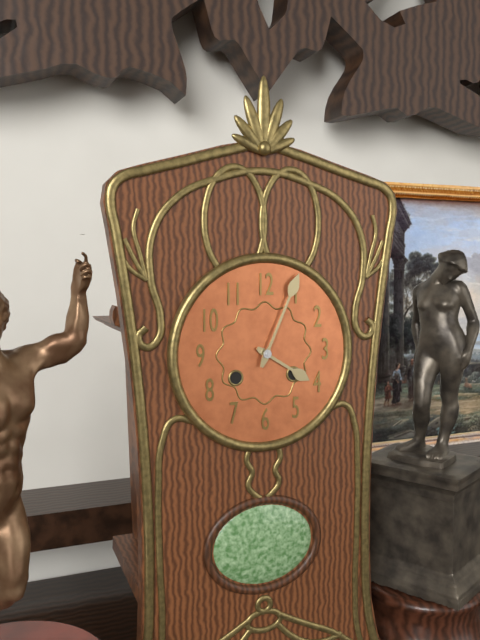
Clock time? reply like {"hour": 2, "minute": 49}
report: {"hour": 4, "minute": 4}
